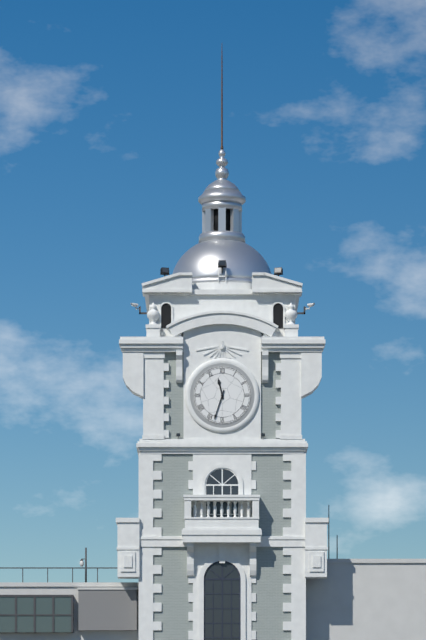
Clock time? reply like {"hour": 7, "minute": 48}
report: {"hour": 11, "minute": 33}
